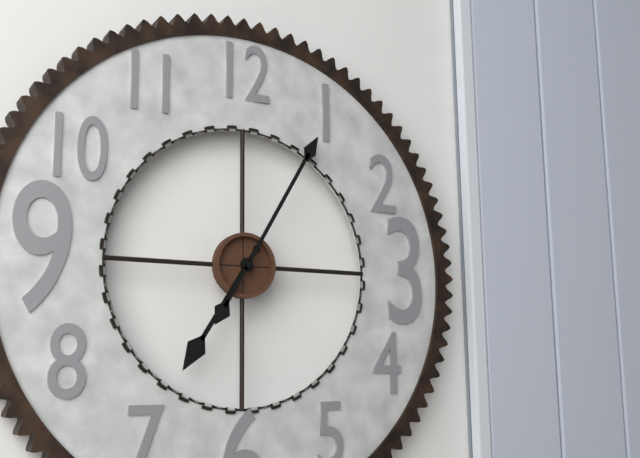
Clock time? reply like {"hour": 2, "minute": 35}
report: {"hour": 7, "minute": 5}
